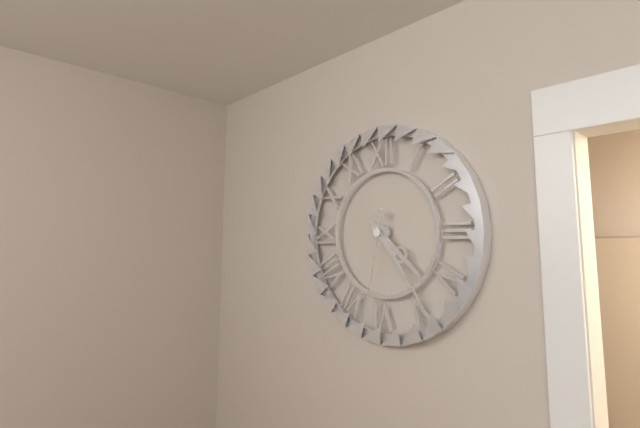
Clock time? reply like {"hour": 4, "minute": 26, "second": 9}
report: {"hour": 4, "minute": 24, "second": 32}
